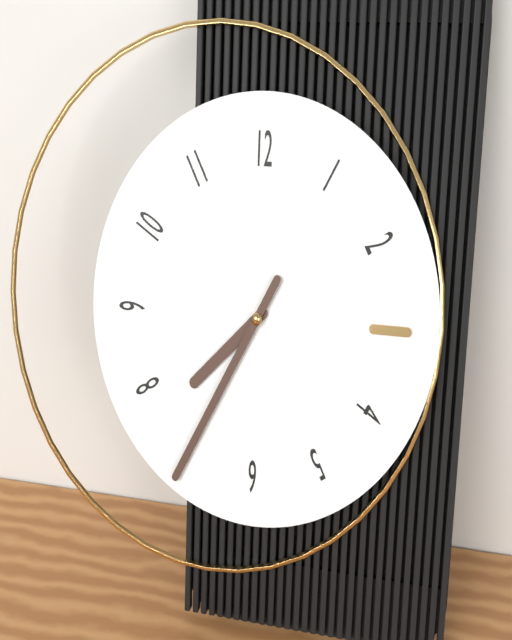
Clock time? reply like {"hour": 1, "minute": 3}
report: {"hour": 7, "minute": 35}
